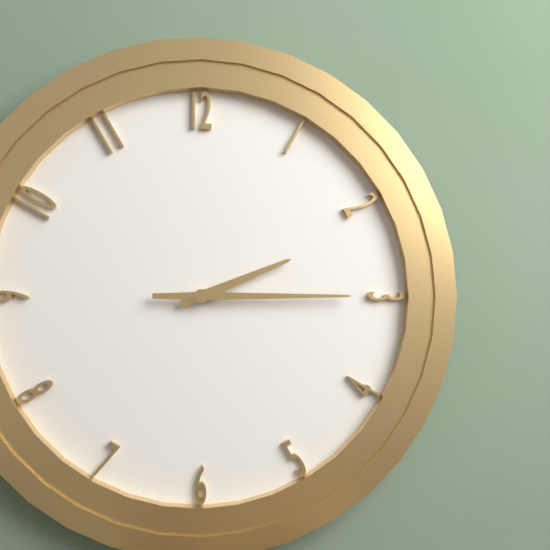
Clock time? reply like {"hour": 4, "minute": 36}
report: {"hour": 2, "minute": 15}
